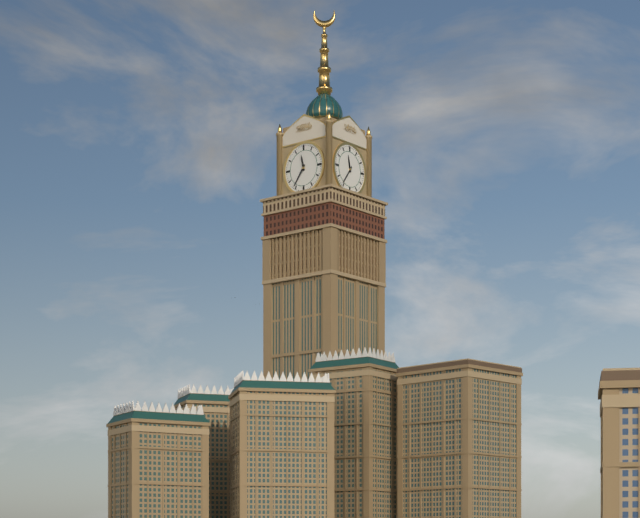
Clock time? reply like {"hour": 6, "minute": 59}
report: {"hour": 11, "minute": 36}
